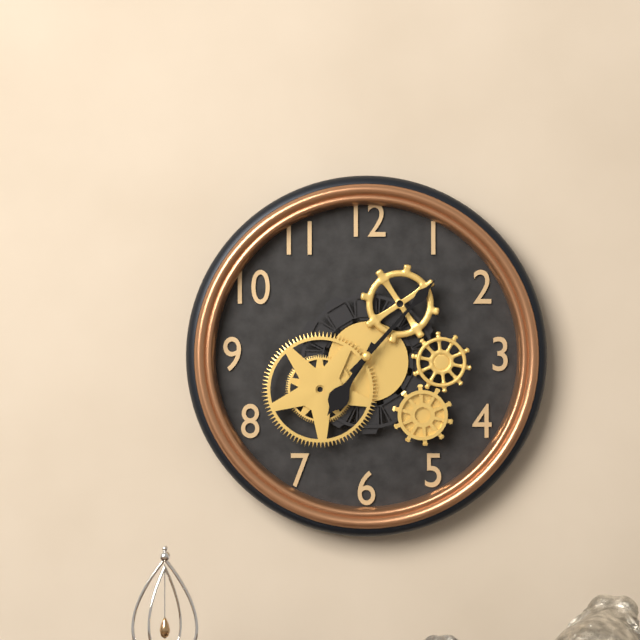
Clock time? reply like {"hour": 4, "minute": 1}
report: {"hour": 7, "minute": 7}
